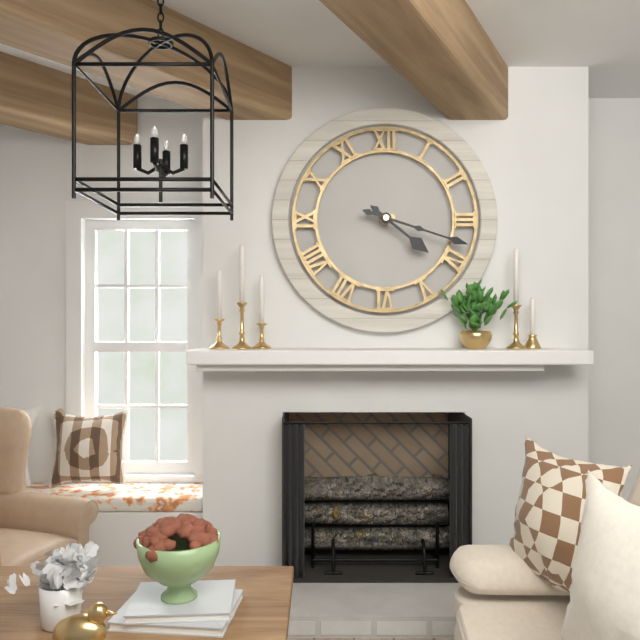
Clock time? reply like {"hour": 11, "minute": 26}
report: {"hour": 4, "minute": 18}
